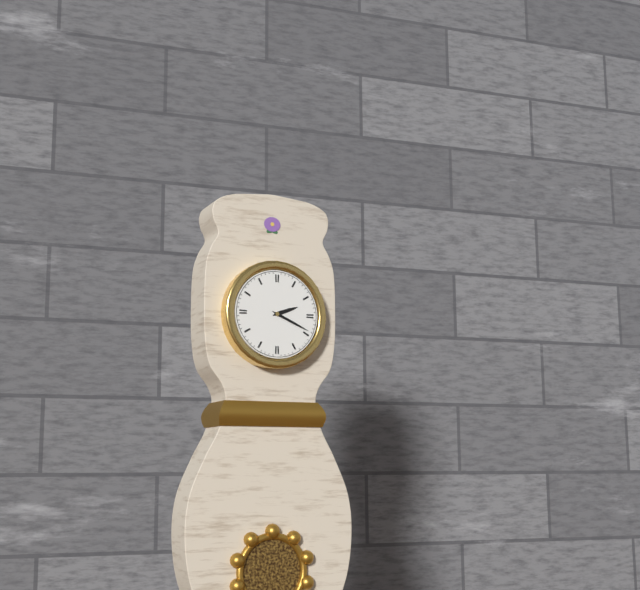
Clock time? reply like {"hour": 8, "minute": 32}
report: {"hour": 2, "minute": 19}
